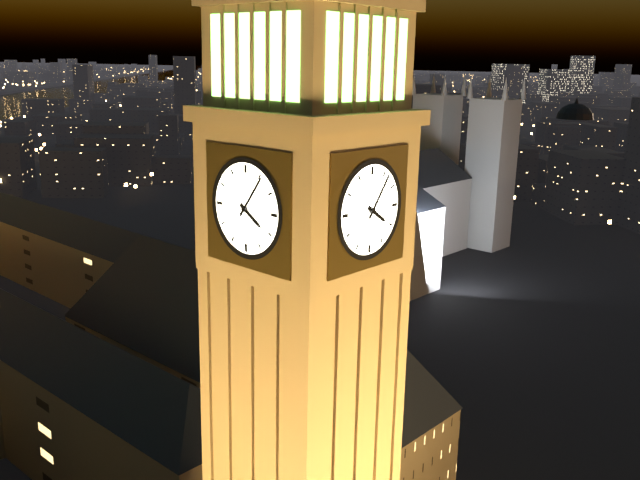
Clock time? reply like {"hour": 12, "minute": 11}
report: {"hour": 4, "minute": 6}
